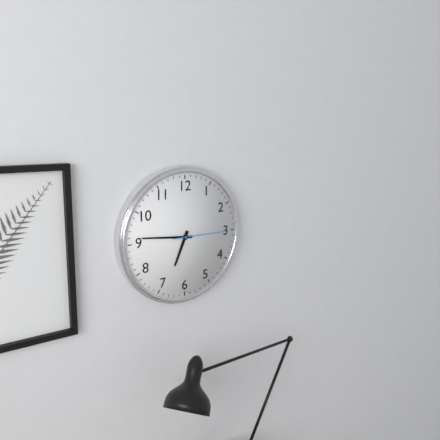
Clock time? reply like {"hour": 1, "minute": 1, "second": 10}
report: {"hour": 6, "minute": 46, "second": 15}
